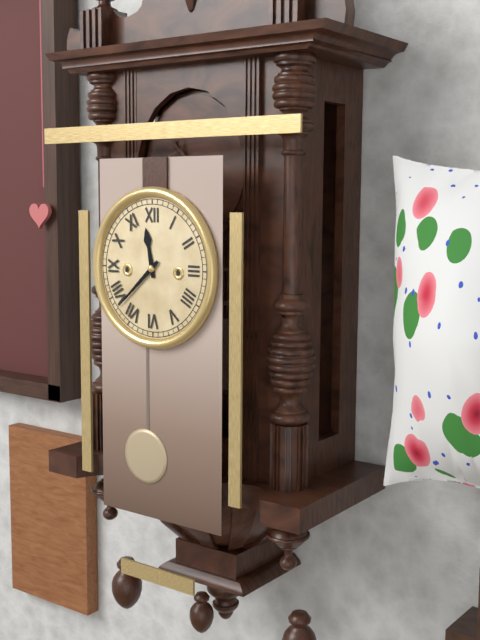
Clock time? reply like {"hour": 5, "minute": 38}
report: {"hour": 11, "minute": 38}
